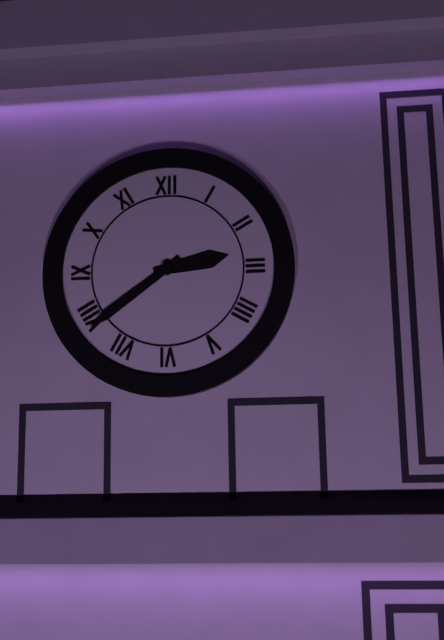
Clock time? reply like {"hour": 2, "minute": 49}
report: {"hour": 2, "minute": 39}
